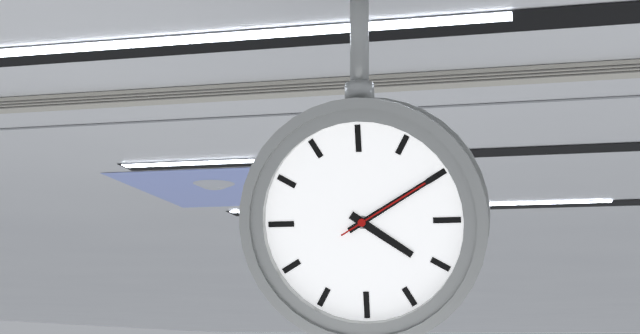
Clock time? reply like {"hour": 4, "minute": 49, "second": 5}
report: {"hour": 4, "minute": 10, "second": 10}
